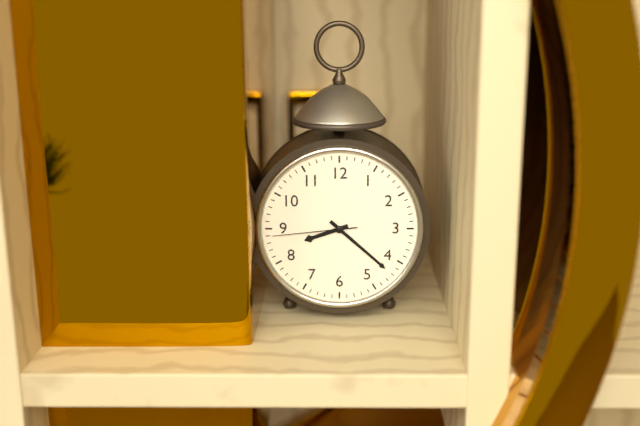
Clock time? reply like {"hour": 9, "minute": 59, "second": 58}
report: {"hour": 8, "minute": 22, "second": 44}
